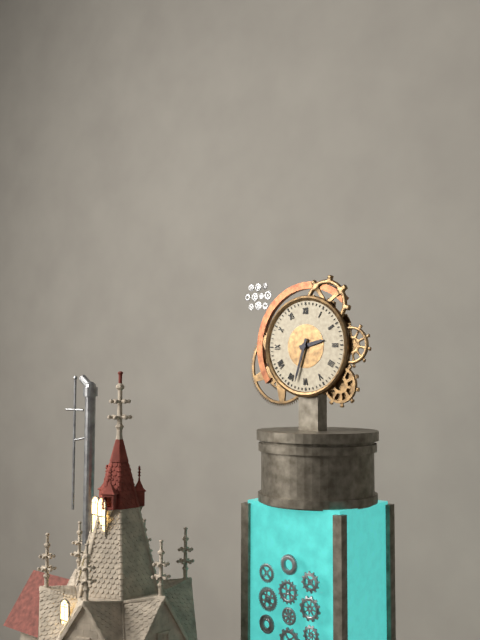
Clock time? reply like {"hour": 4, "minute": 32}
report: {"hour": 2, "minute": 33}
